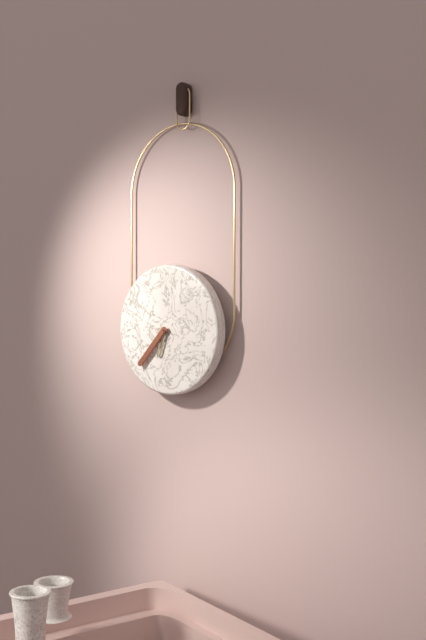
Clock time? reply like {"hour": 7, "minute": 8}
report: {"hour": 6, "minute": 37}
